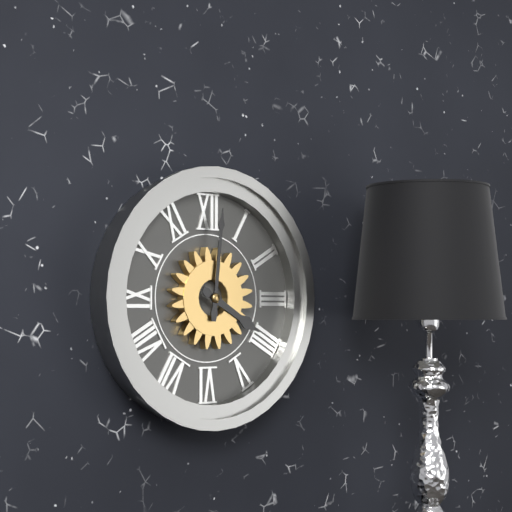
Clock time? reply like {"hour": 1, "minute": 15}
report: {"hour": 4, "minute": 1}
